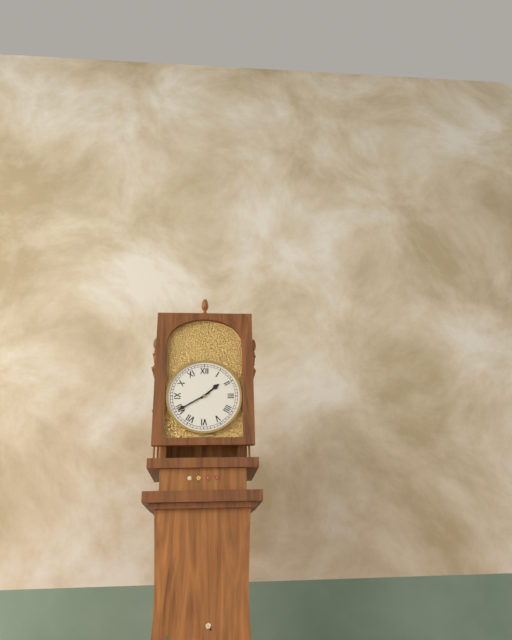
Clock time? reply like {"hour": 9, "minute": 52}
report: {"hour": 1, "minute": 40}
